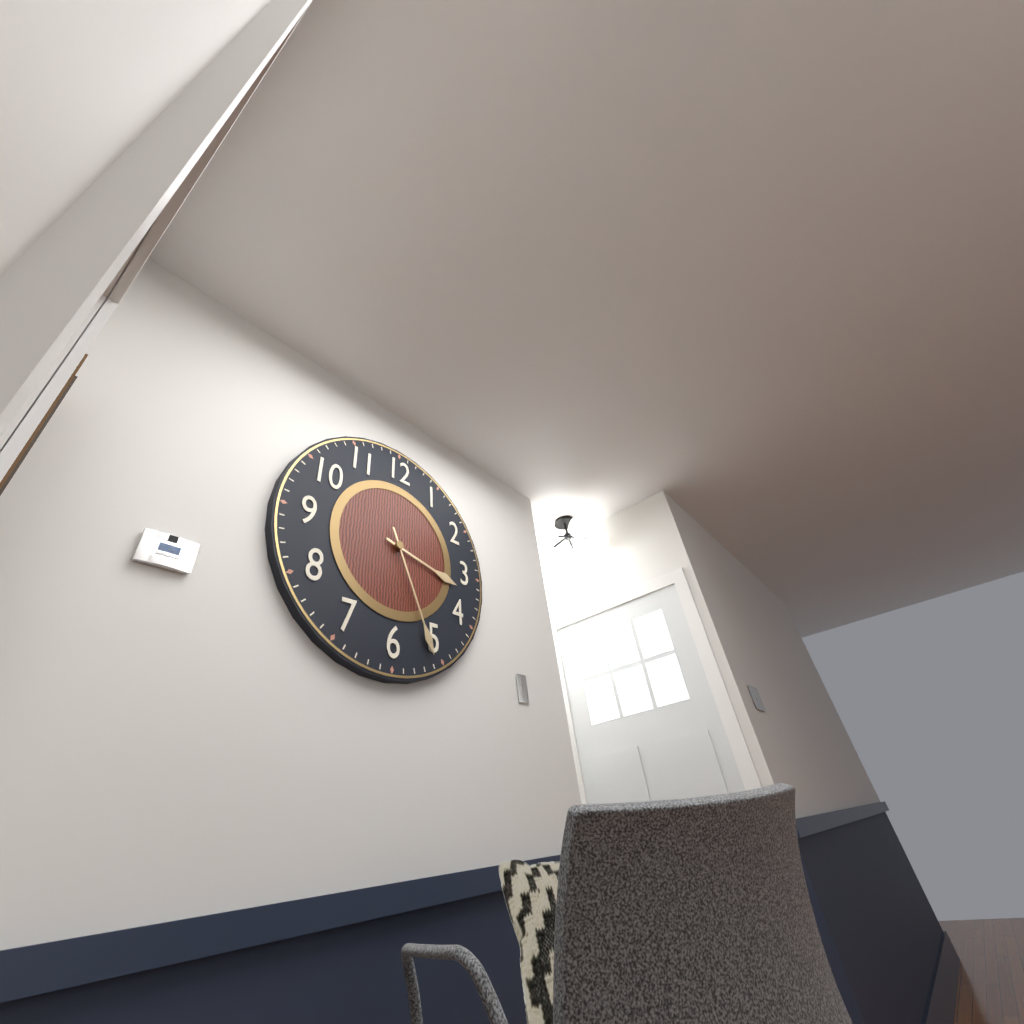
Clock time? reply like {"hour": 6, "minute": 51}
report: {"hour": 3, "minute": 26}
